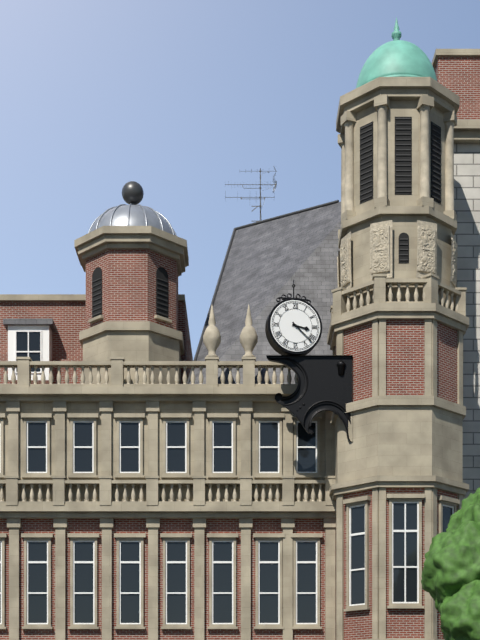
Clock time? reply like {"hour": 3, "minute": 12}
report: {"hour": 3, "minute": 22}
